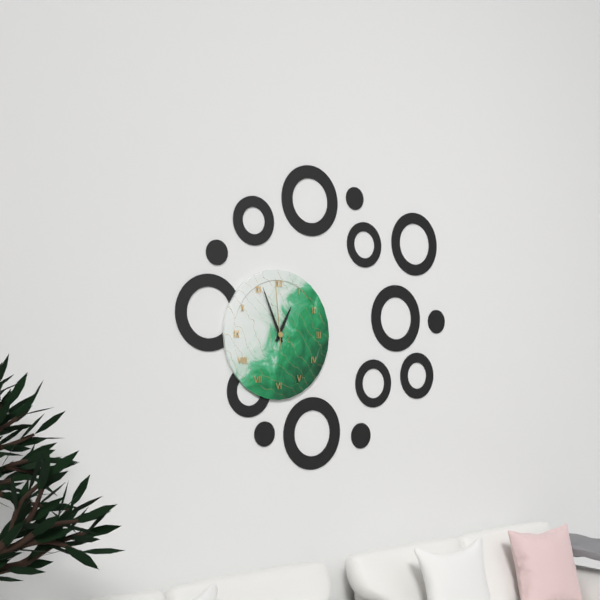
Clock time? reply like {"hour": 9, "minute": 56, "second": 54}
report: {"hour": 12, "minute": 56, "second": 59}
